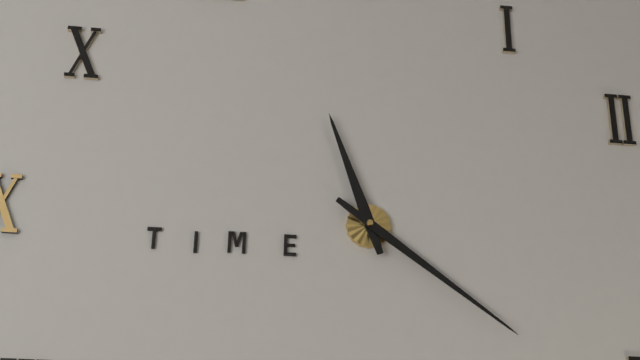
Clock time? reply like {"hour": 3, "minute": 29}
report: {"hour": 11, "minute": 21}
